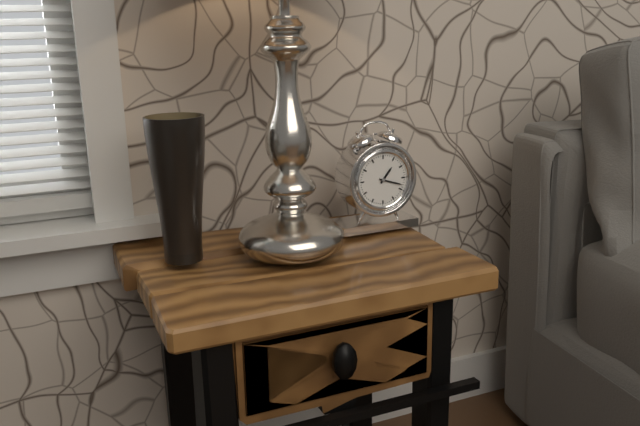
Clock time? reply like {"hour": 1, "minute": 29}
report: {"hour": 1, "minute": 18}
